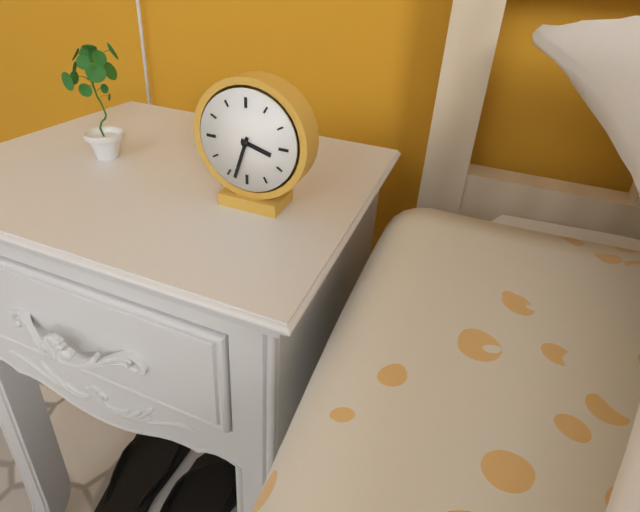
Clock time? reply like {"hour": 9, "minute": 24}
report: {"hour": 3, "minute": 33}
